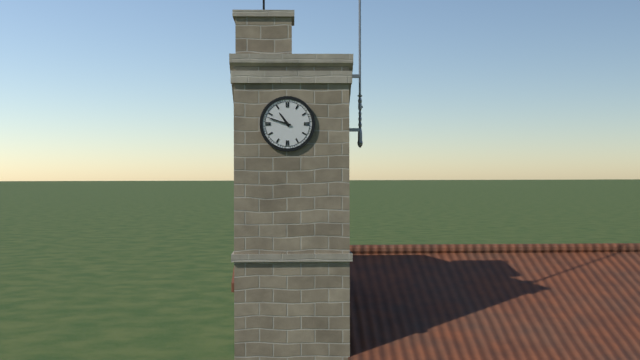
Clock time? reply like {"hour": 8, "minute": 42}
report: {"hour": 10, "minute": 48}
